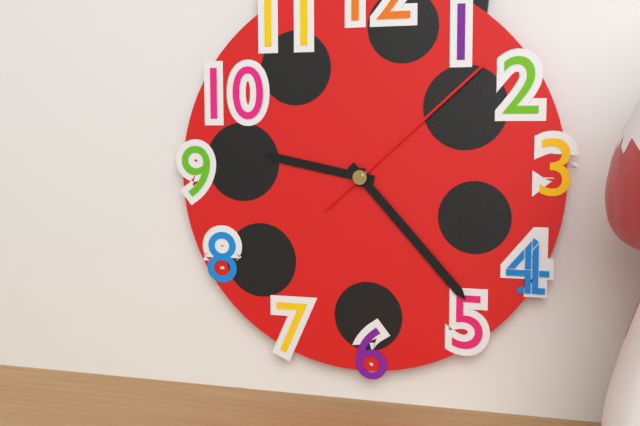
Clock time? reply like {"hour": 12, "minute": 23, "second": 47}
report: {"hour": 9, "minute": 23, "second": 8}
